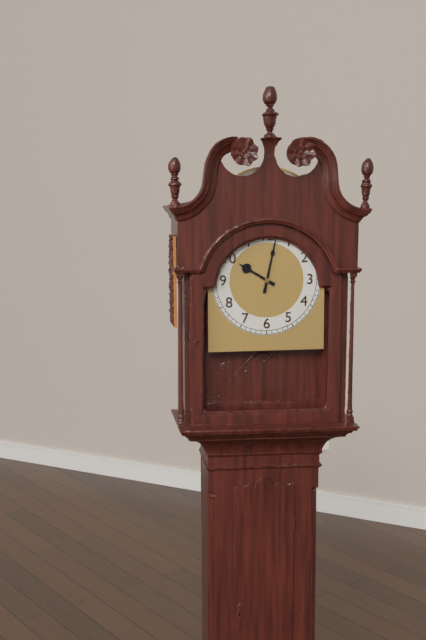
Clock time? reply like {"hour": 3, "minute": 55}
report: {"hour": 10, "minute": 2}
